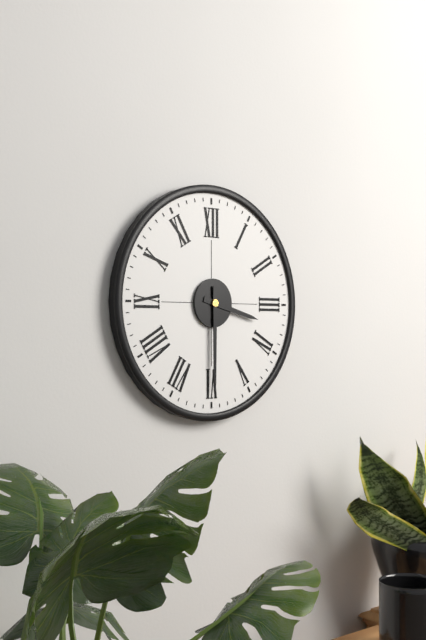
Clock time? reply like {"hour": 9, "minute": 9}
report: {"hour": 3, "minute": 30}
